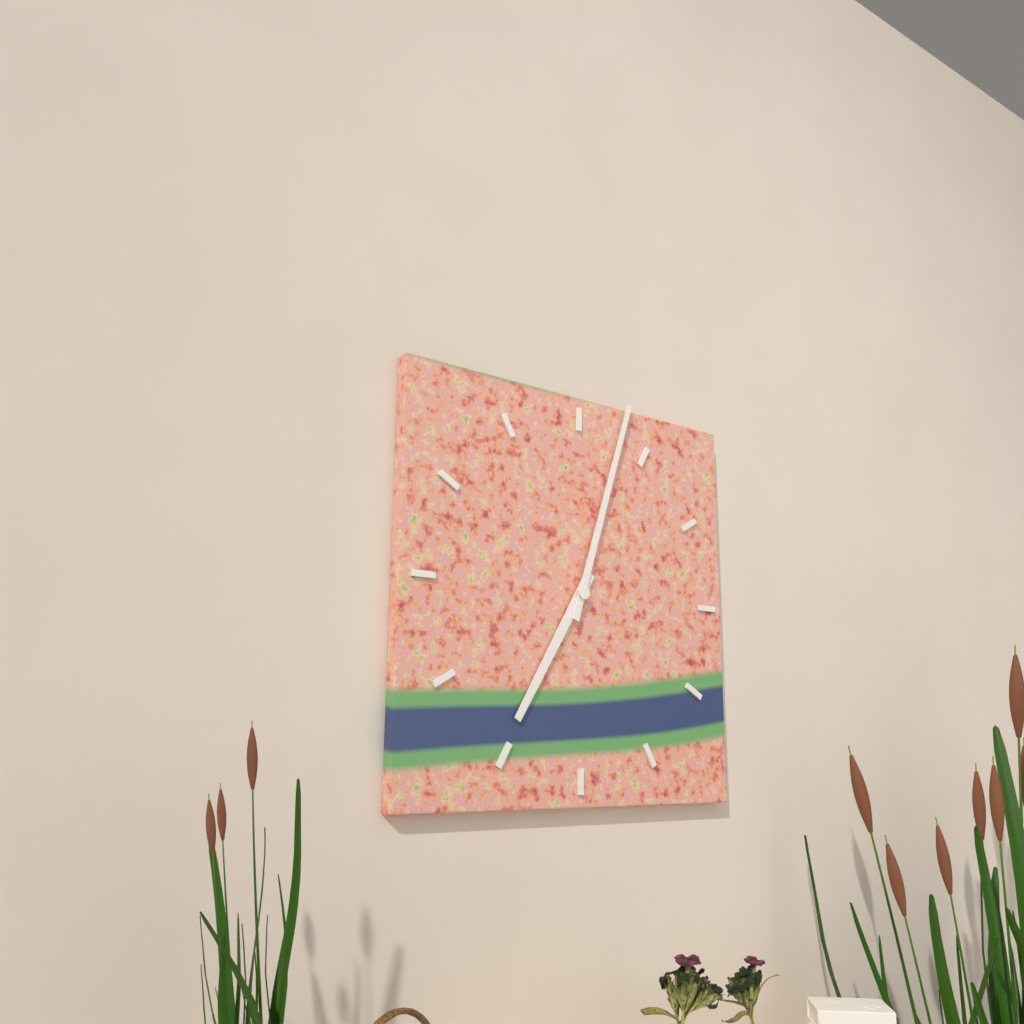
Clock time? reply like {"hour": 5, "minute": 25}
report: {"hour": 7, "minute": 3}
